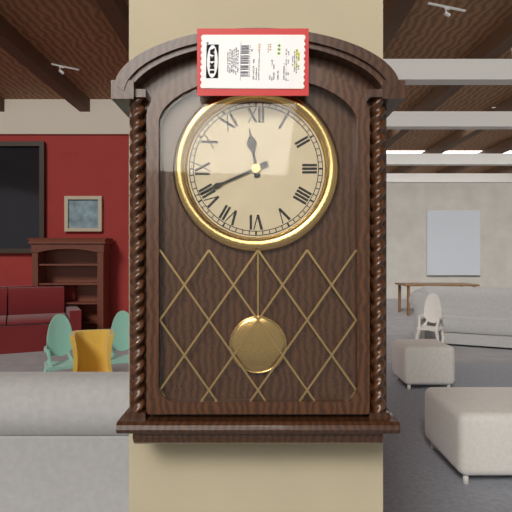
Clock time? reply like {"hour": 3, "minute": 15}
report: {"hour": 11, "minute": 41}
